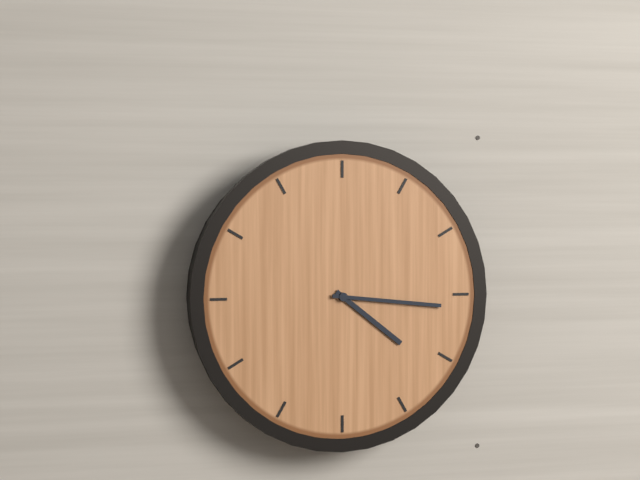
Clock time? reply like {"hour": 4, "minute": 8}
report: {"hour": 4, "minute": 16}
